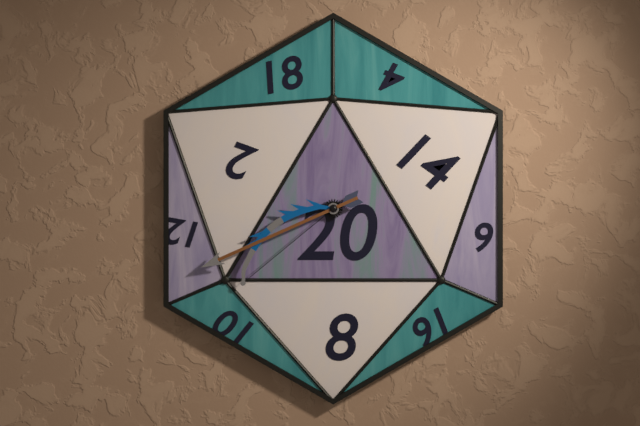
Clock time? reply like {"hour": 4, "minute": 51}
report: {"hour": 7, "minute": 41}
